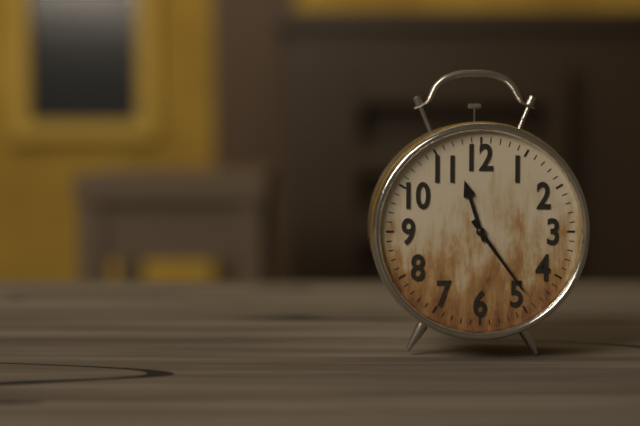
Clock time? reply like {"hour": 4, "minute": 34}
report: {"hour": 11, "minute": 24}
